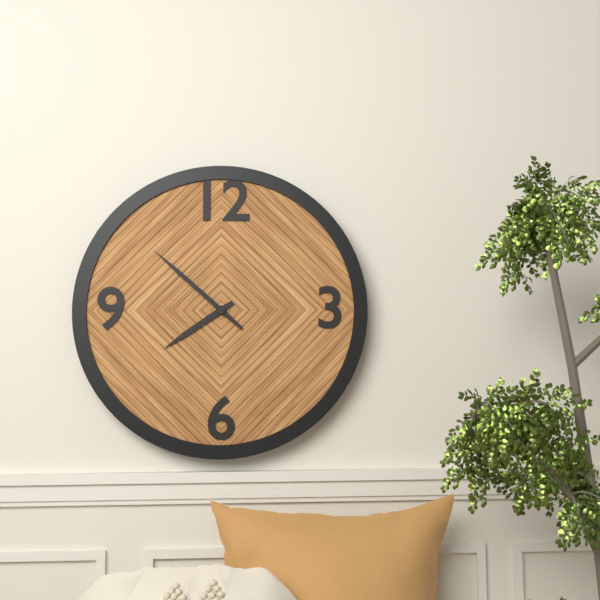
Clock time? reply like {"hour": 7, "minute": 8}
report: {"hour": 7, "minute": 52}
